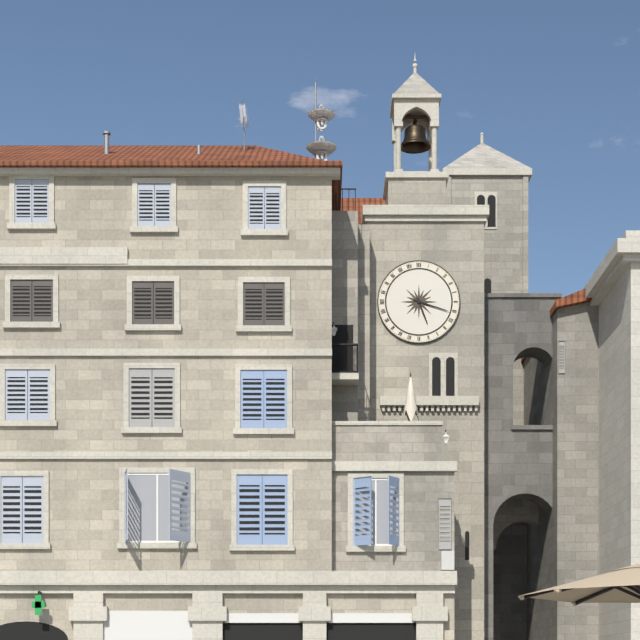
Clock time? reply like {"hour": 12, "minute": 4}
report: {"hour": 5, "minute": 18}
